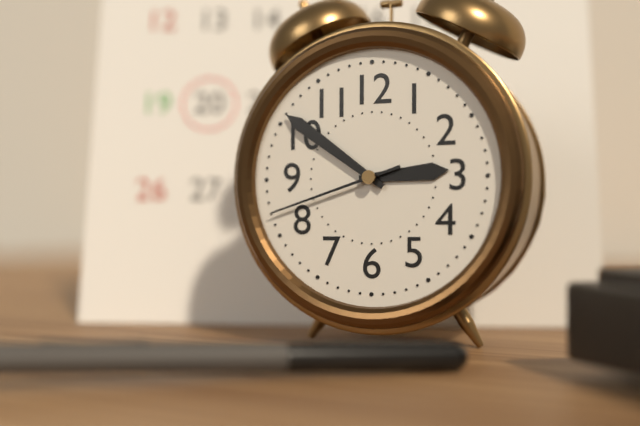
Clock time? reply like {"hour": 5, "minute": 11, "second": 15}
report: {"hour": 2, "minute": 51, "second": 42}
